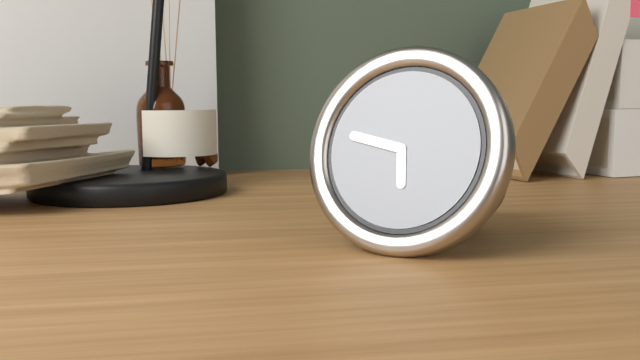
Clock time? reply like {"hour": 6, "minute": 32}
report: {"hour": 5, "minute": 47}
